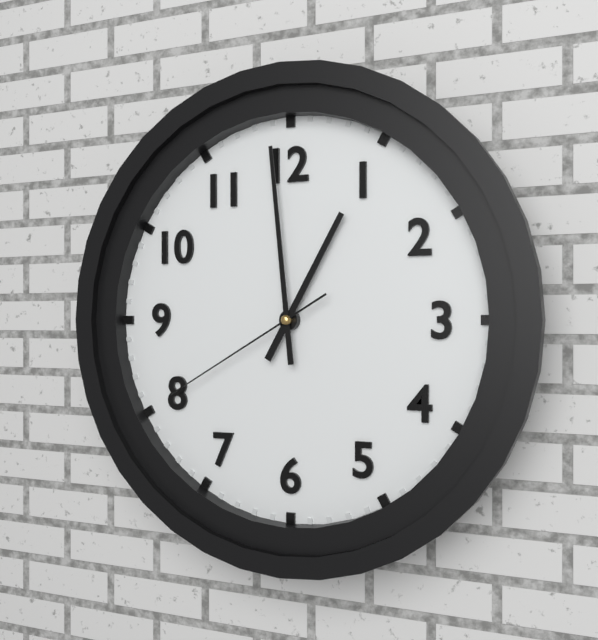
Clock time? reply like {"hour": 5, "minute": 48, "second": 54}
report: {"hour": 12, "minute": 59, "second": 40}
